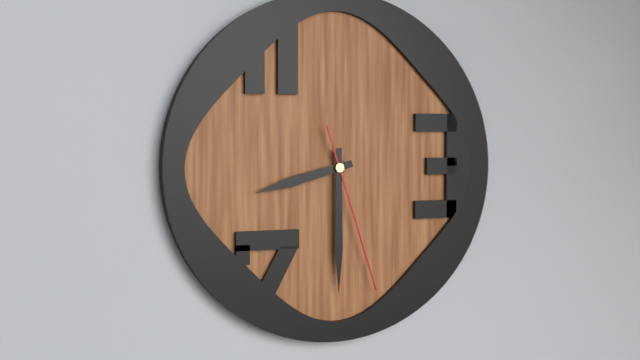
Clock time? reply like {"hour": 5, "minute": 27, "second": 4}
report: {"hour": 8, "minute": 30, "second": 27}
